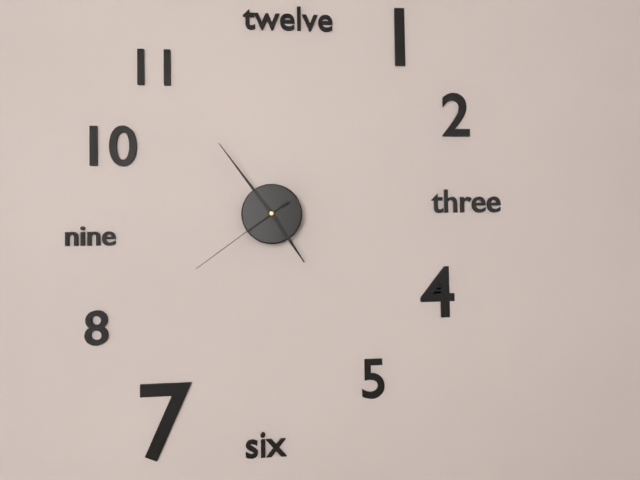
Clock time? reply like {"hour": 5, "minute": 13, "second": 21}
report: {"hour": 4, "minute": 54, "second": 39}
